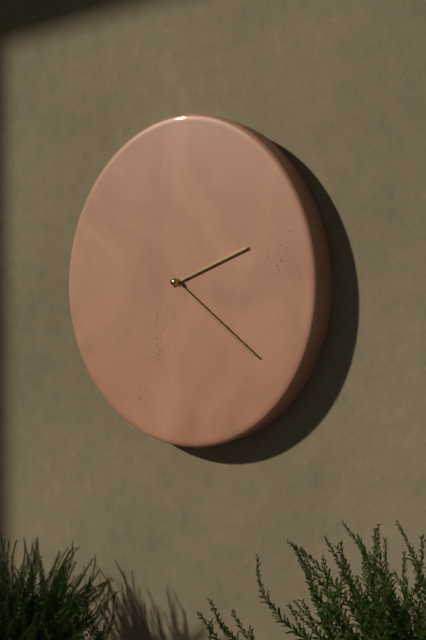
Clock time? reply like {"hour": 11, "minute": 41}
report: {"hour": 2, "minute": 21}
